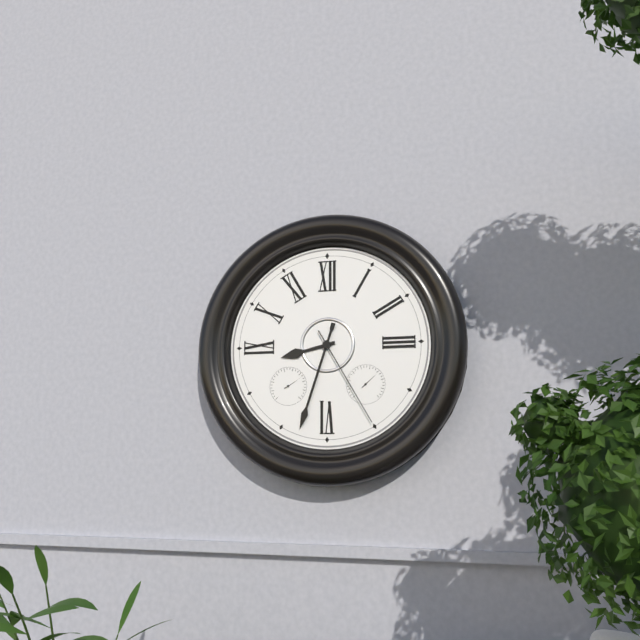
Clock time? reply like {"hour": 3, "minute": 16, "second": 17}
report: {"hour": 8, "minute": 33, "second": 25}
